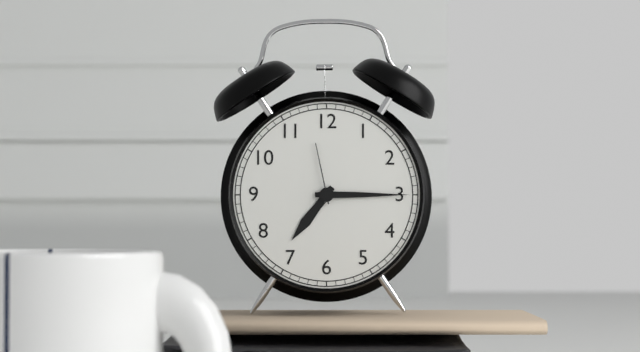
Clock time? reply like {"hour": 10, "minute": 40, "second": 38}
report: {"hour": 7, "minute": 15, "second": 58}
